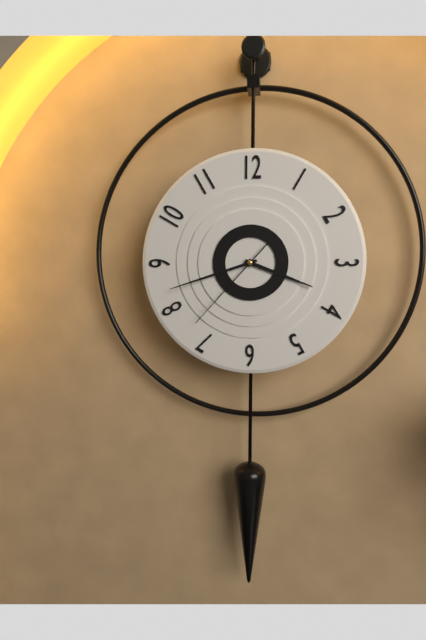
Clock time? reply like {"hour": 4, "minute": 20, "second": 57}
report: {"hour": 3, "minute": 42, "second": 37}
